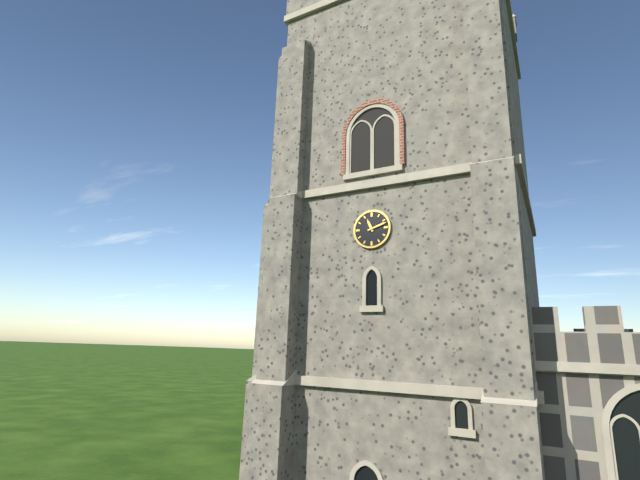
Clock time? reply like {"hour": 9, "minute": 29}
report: {"hour": 11, "minute": 12}
